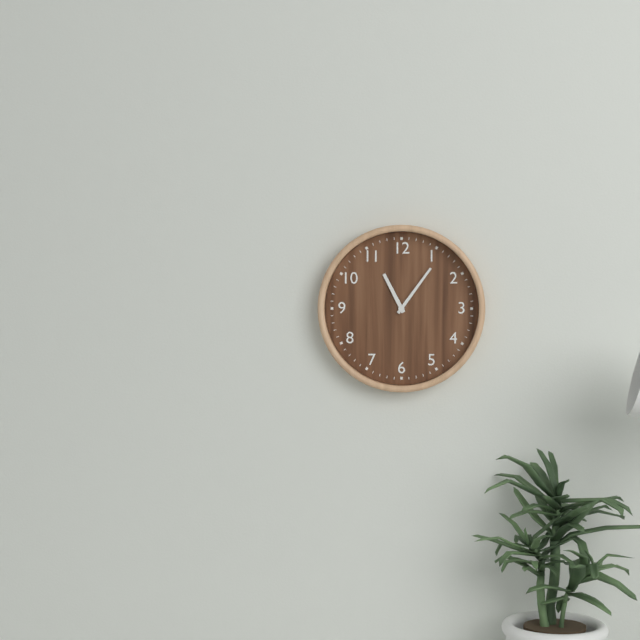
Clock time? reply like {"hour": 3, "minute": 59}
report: {"hour": 11, "minute": 6}
